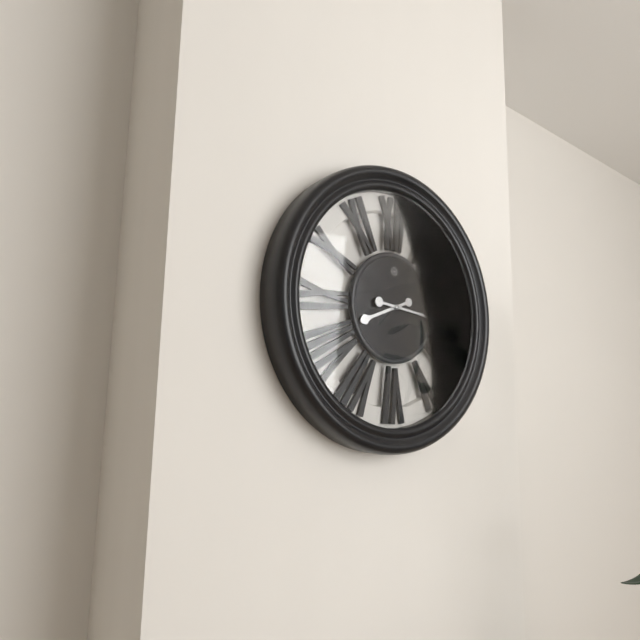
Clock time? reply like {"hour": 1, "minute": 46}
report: {"hour": 8, "minute": 16}
